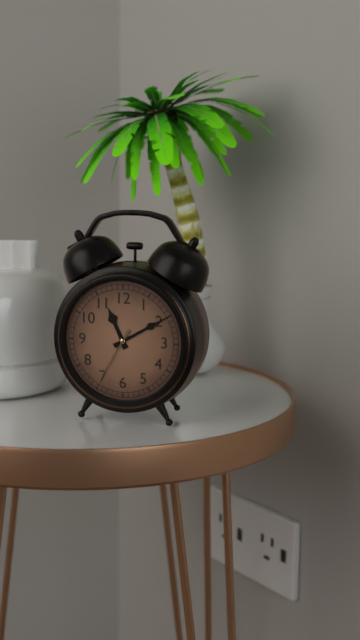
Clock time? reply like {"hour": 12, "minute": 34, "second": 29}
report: {"hour": 11, "minute": 10, "second": 35}
